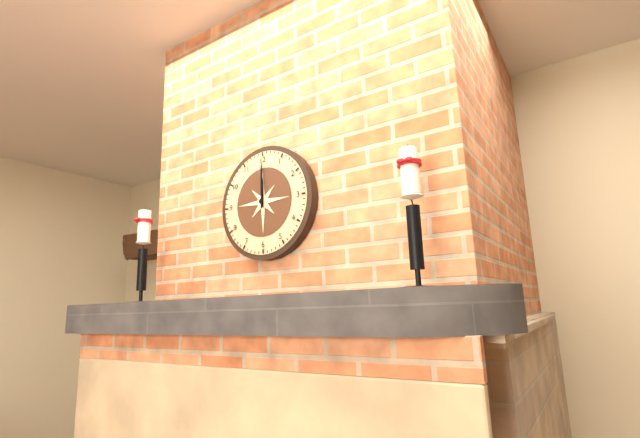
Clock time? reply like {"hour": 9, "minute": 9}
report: {"hour": 12, "minute": 0}
